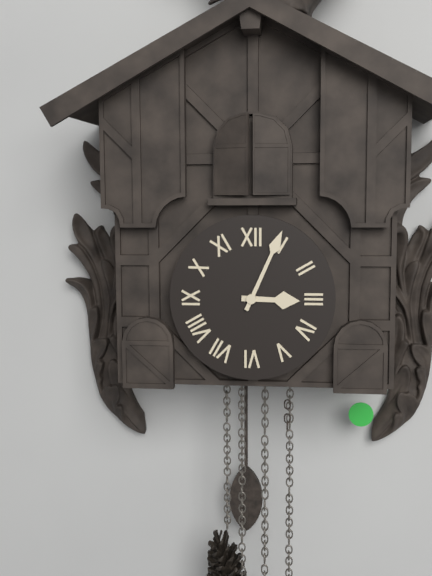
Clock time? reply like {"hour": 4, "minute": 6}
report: {"hour": 3, "minute": 4}
